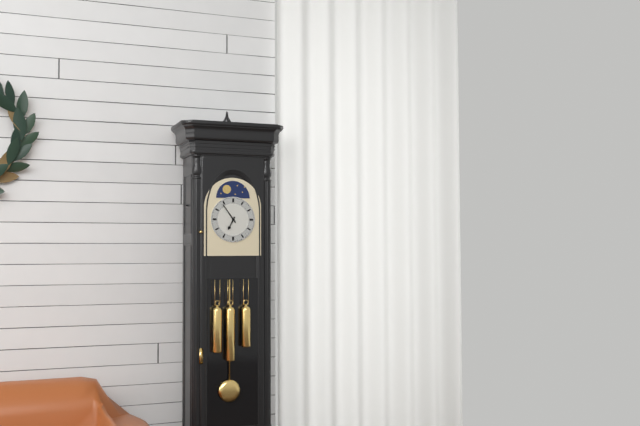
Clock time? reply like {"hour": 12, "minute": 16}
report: {"hour": 6, "minute": 54}
